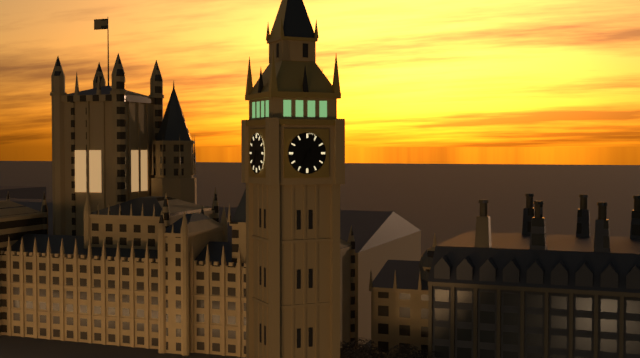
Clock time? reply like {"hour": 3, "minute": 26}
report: {"hour": 6, "minute": 34}
